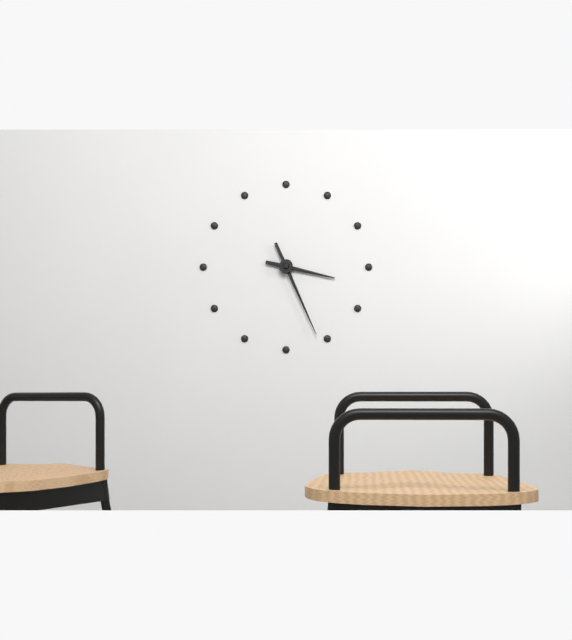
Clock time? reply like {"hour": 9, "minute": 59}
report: {"hour": 3, "minute": 26}
